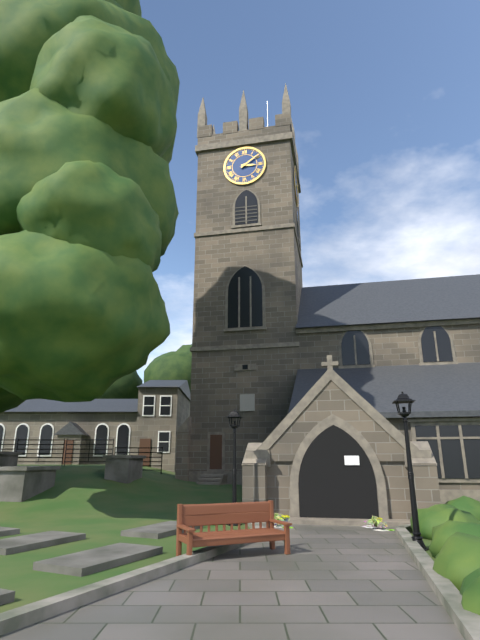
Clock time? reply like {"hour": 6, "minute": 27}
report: {"hour": 3, "minute": 9}
